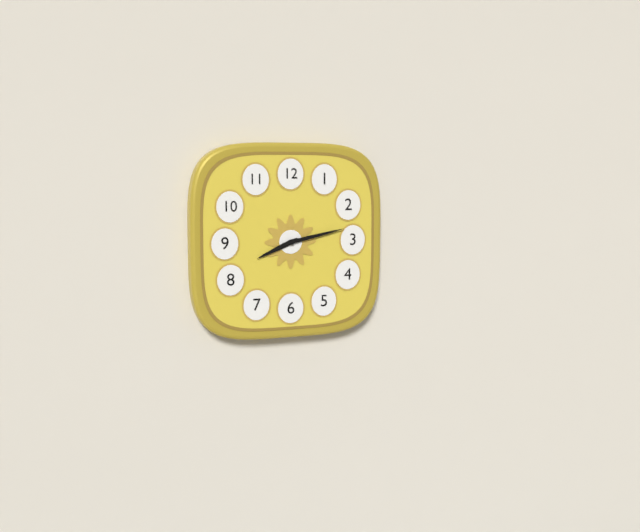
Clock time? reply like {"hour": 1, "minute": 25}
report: {"hour": 8, "minute": 13}
